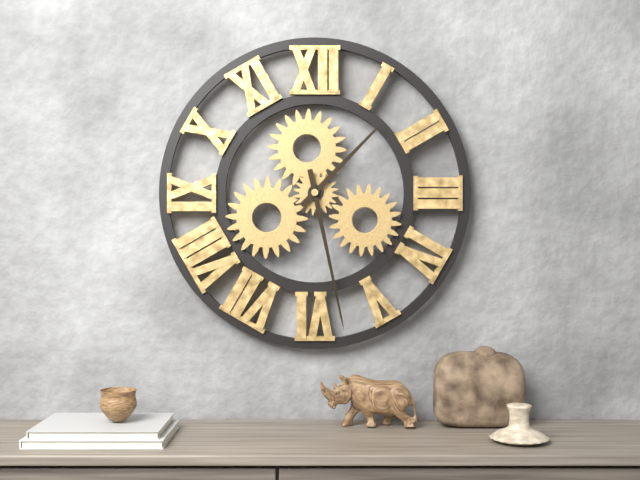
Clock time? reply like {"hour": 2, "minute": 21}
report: {"hour": 1, "minute": 28}
